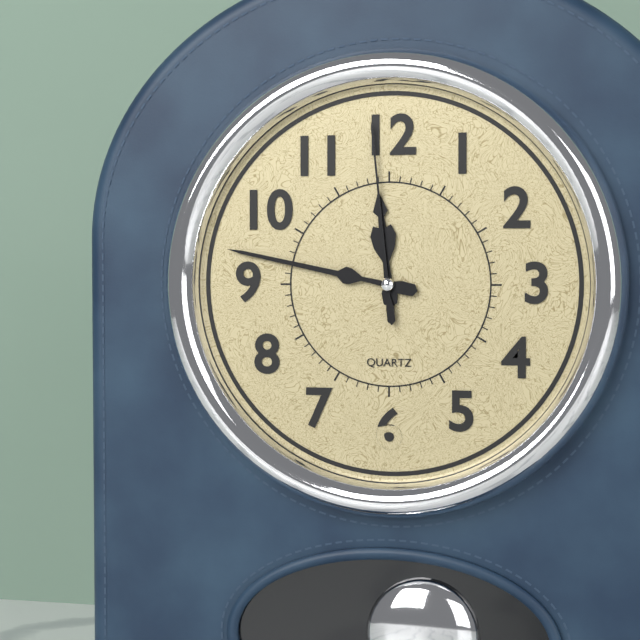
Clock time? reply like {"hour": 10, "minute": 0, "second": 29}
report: {"hour": 11, "minute": 47, "second": 59}
